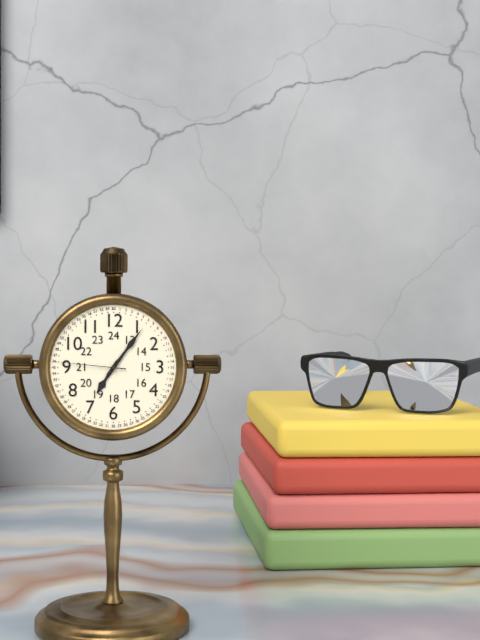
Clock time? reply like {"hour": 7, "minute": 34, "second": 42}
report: {"hour": 7, "minute": 6, "second": 46}
